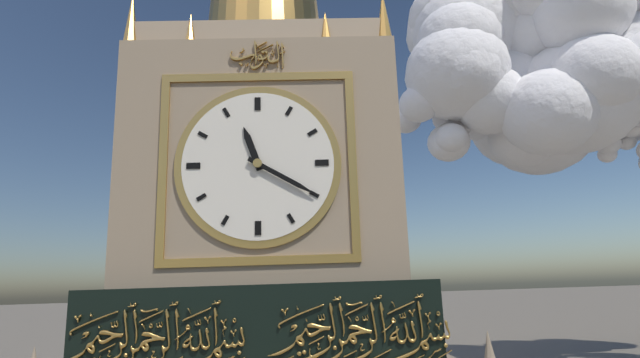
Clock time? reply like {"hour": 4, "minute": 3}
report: {"hour": 11, "minute": 20}
